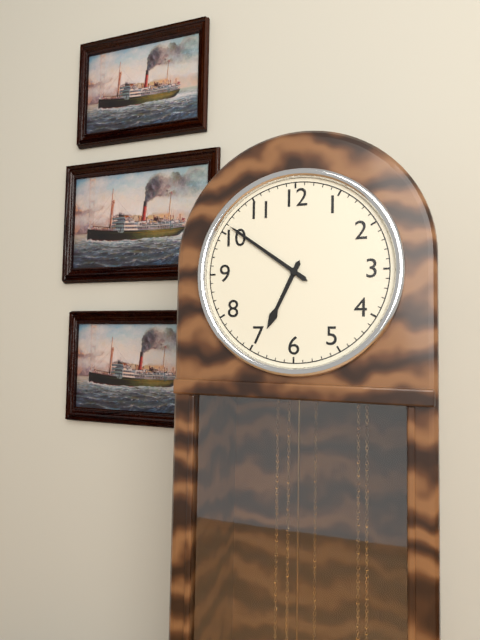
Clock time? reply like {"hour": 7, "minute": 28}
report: {"hour": 6, "minute": 51}
